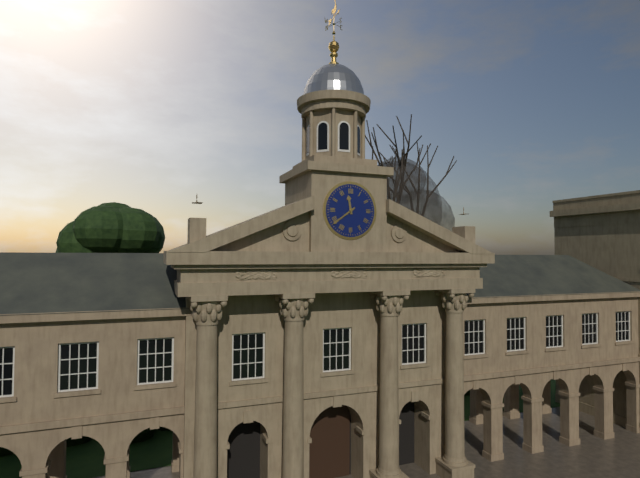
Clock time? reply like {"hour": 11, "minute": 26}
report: {"hour": 11, "minute": 39}
